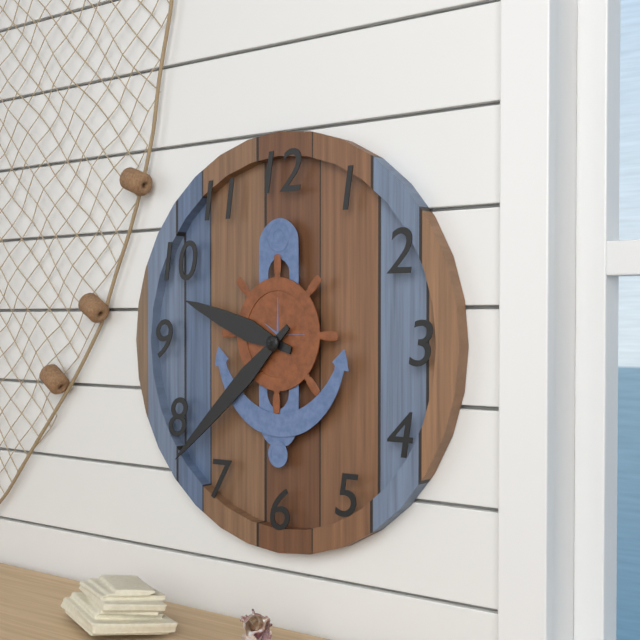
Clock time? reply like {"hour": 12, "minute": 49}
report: {"hour": 9, "minute": 38}
